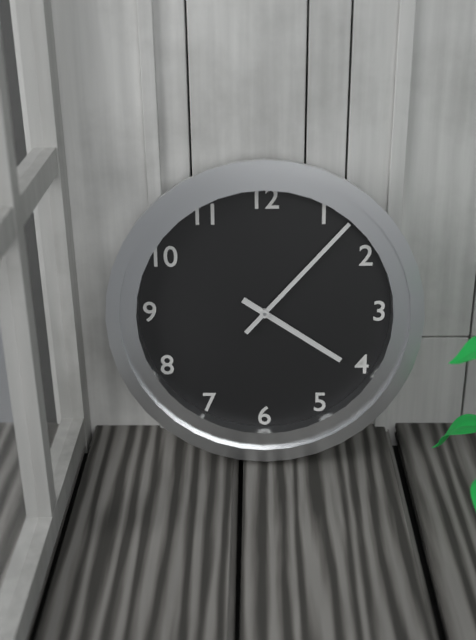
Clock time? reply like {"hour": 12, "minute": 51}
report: {"hour": 4, "minute": 7}
